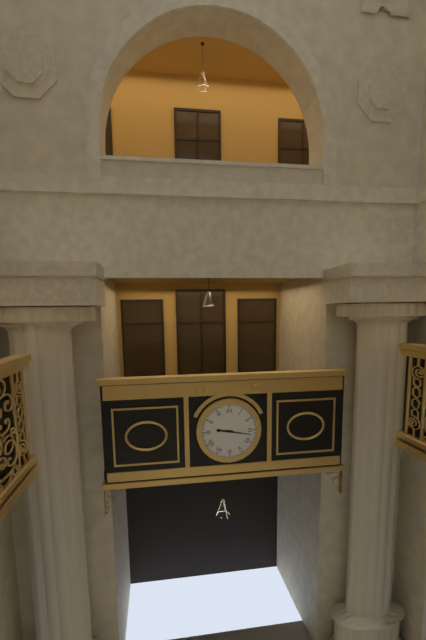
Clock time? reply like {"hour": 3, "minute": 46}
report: {"hour": 9, "minute": 17}
